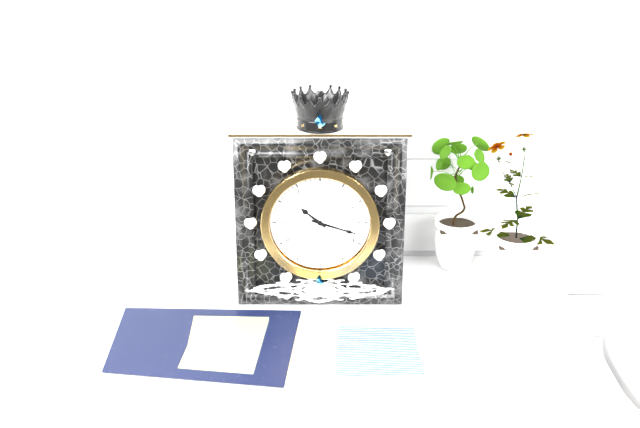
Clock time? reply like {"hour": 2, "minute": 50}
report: {"hour": 10, "minute": 18}
